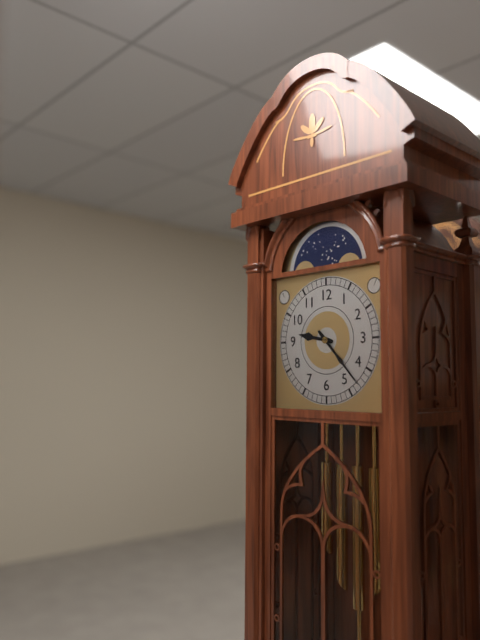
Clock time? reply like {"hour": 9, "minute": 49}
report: {"hour": 9, "minute": 23}
